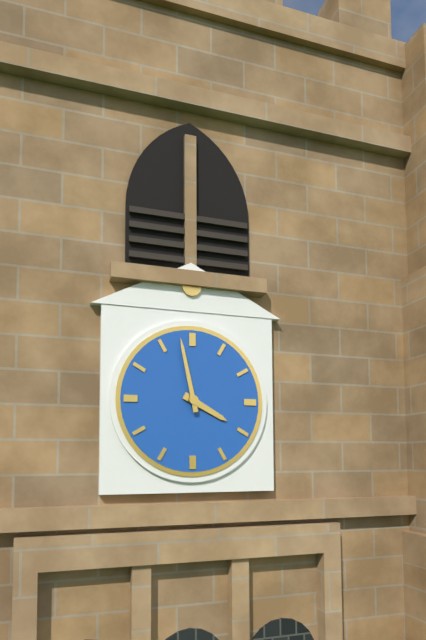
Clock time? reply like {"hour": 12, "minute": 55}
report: {"hour": 3, "minute": 58}
